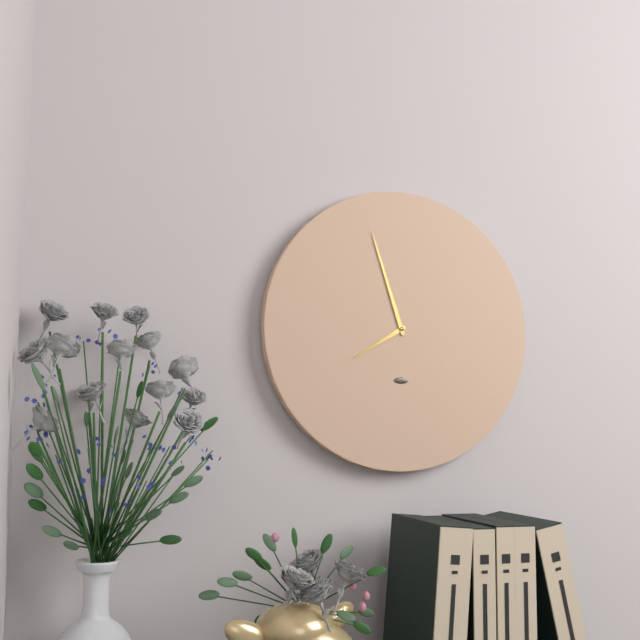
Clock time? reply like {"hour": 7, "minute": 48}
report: {"hour": 7, "minute": 57}
